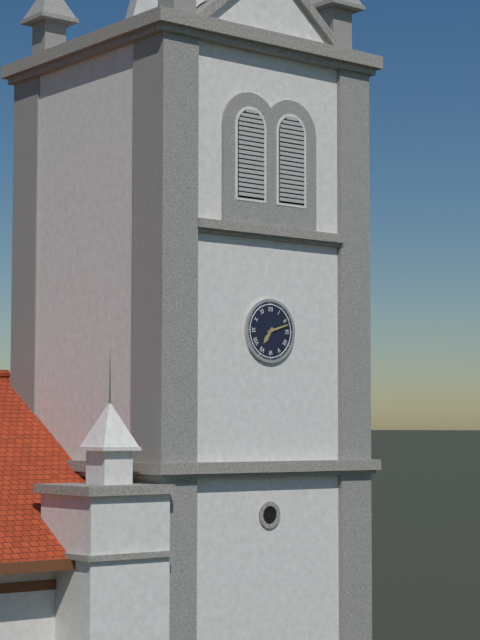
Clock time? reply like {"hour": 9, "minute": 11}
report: {"hour": 7, "minute": 12}
